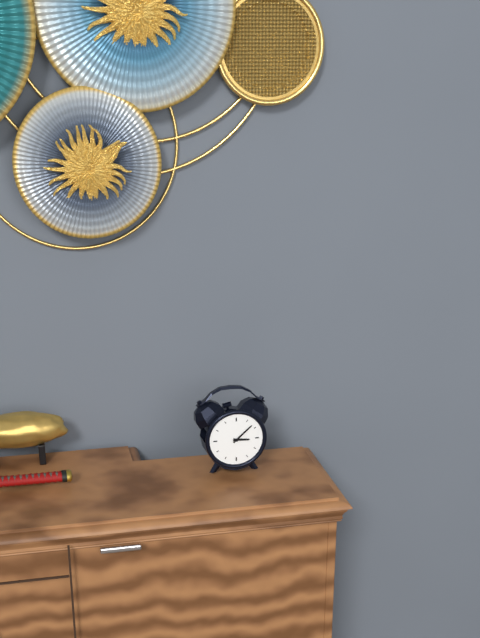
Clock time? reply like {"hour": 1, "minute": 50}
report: {"hour": 3, "minute": 8}
